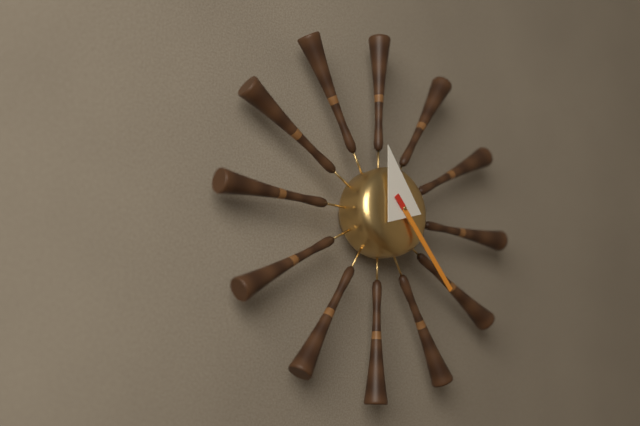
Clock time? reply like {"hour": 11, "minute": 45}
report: {"hour": 11, "minute": 23}
